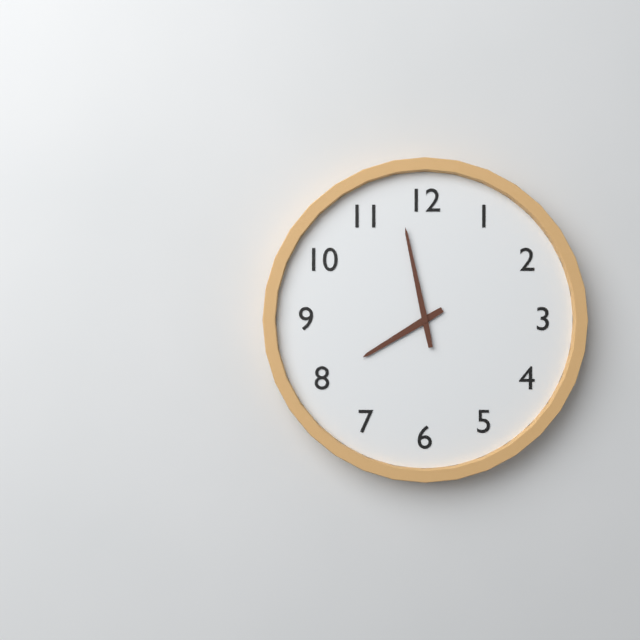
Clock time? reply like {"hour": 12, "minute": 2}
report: {"hour": 7, "minute": 58}
